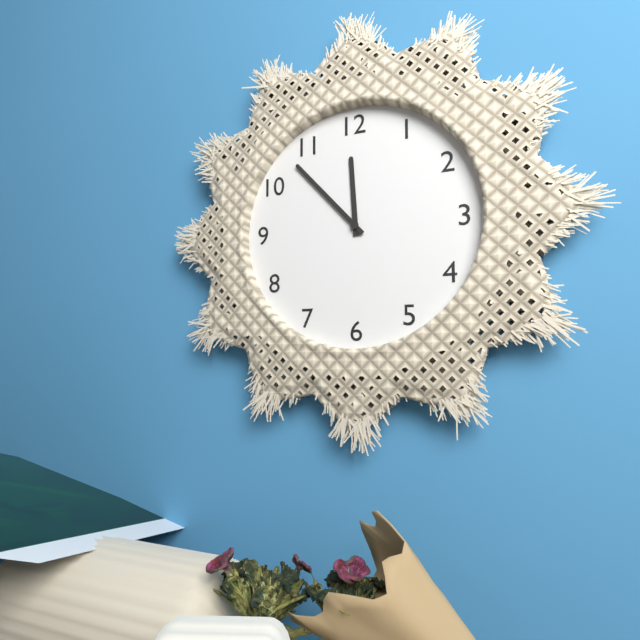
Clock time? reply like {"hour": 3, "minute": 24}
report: {"hour": 11, "minute": 53}
